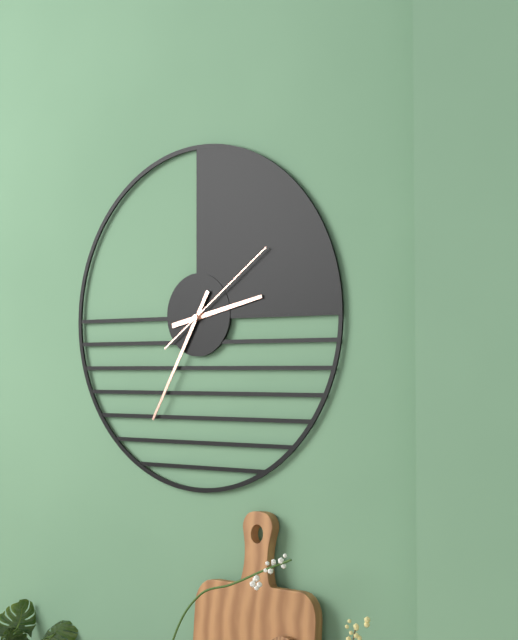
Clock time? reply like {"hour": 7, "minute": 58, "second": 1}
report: {"hour": 2, "minute": 35, "second": 9}
